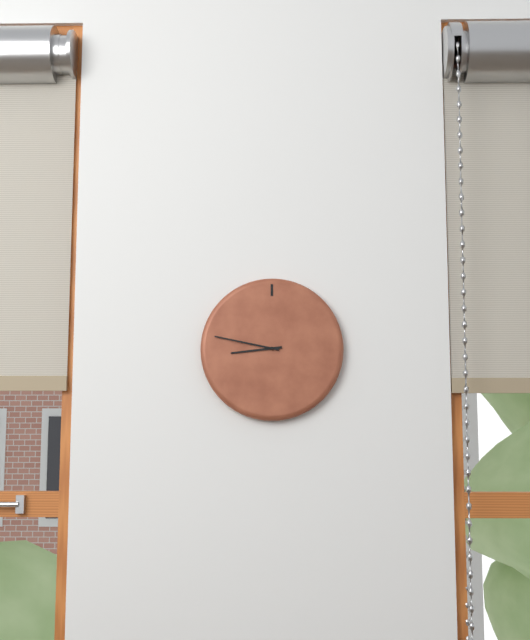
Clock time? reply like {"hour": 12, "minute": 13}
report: {"hour": 8, "minute": 47}
